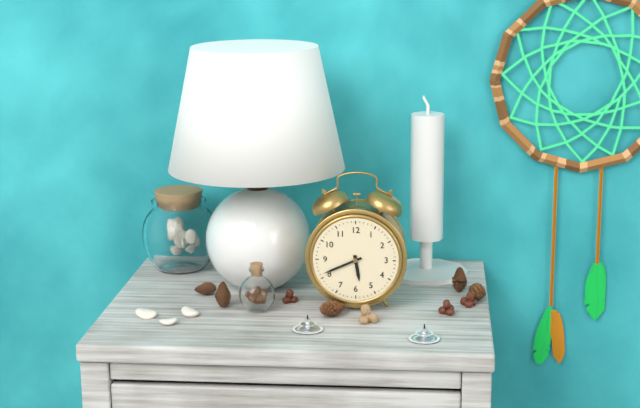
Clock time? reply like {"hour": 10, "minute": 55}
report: {"hour": 5, "minute": 41}
